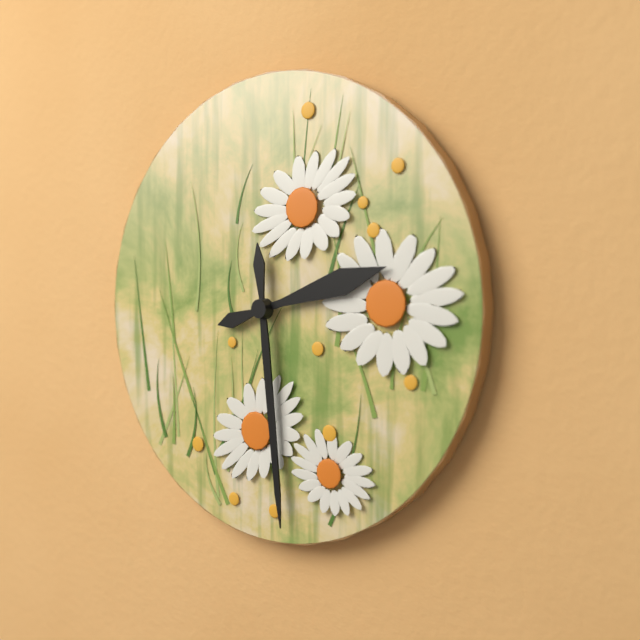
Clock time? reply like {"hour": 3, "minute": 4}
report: {"hour": 2, "minute": 29}
